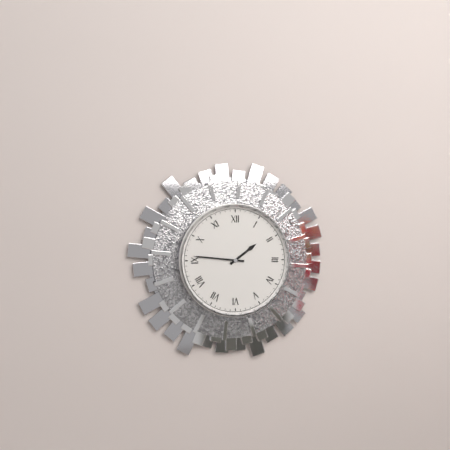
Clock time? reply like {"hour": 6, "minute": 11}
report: {"hour": 1, "minute": 46}
